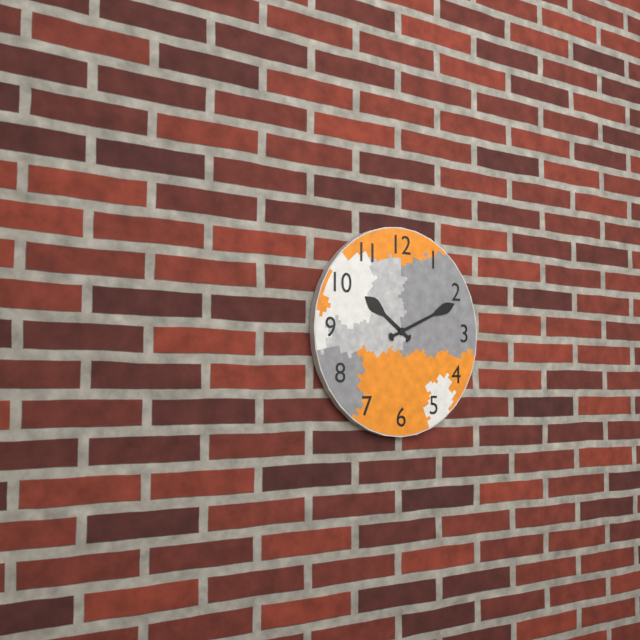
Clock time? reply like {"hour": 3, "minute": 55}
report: {"hour": 10, "minute": 11}
